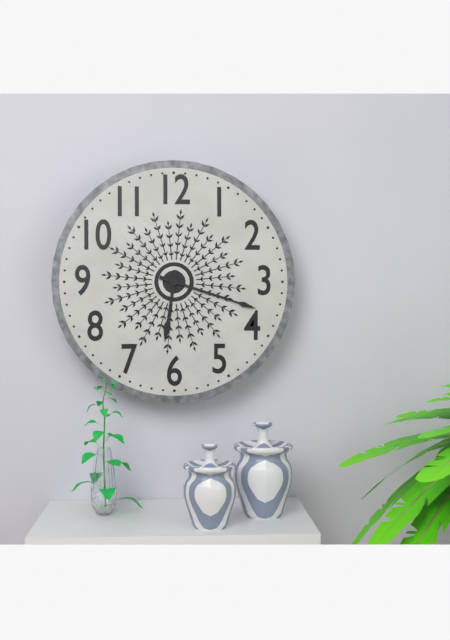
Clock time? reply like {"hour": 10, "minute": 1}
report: {"hour": 6, "minute": 18}
